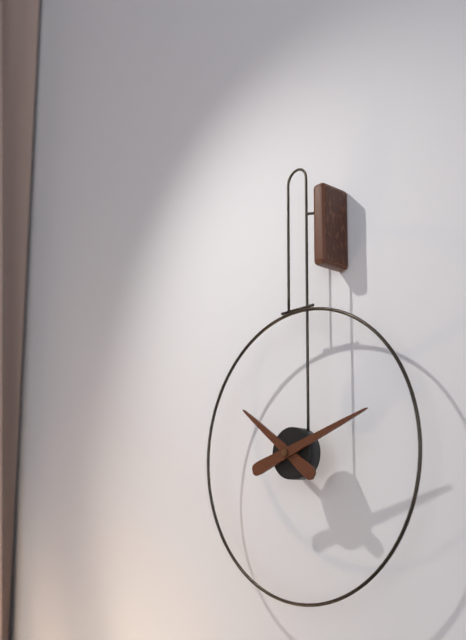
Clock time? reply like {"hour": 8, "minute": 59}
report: {"hour": 10, "minute": 12}
